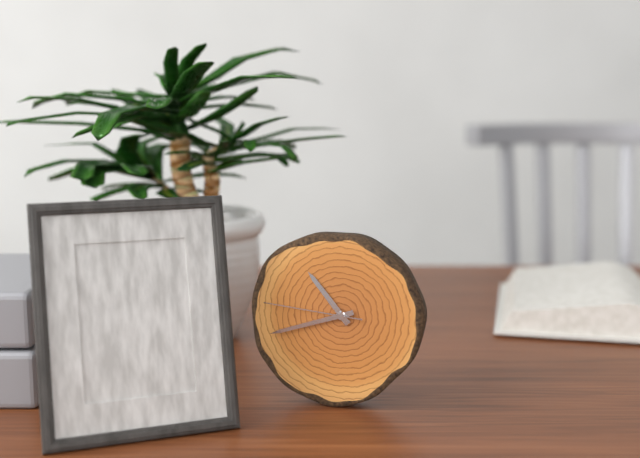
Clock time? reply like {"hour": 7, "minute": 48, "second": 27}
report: {"hour": 10, "minute": 42, "second": 46}
